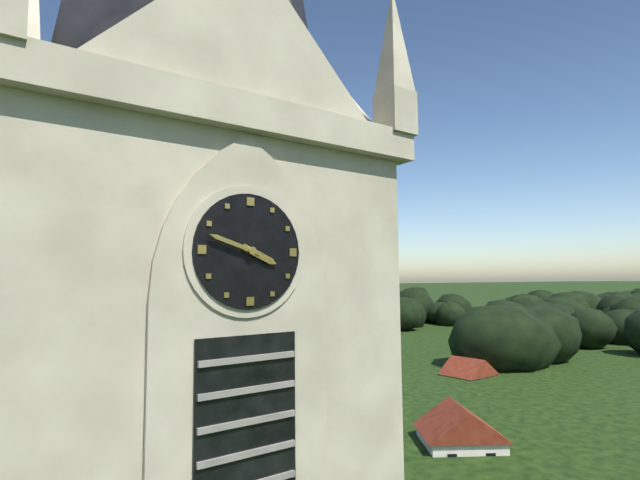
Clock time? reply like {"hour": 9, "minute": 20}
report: {"hour": 3, "minute": 48}
